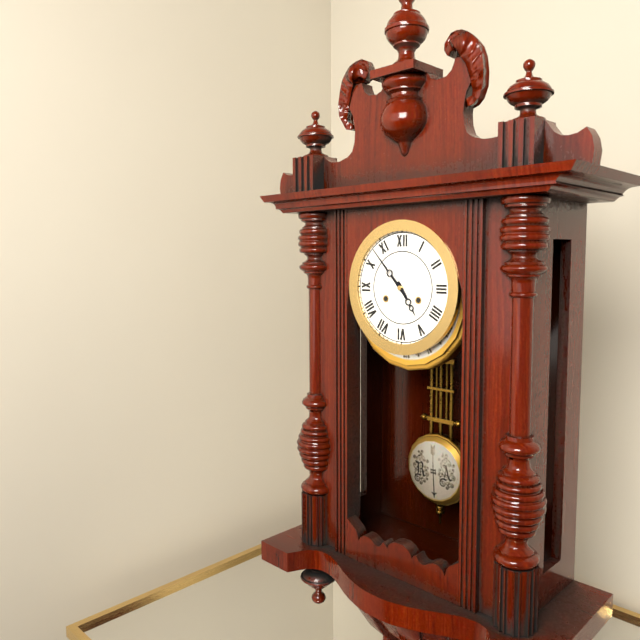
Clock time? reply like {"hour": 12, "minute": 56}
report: {"hour": 4, "minute": 53}
